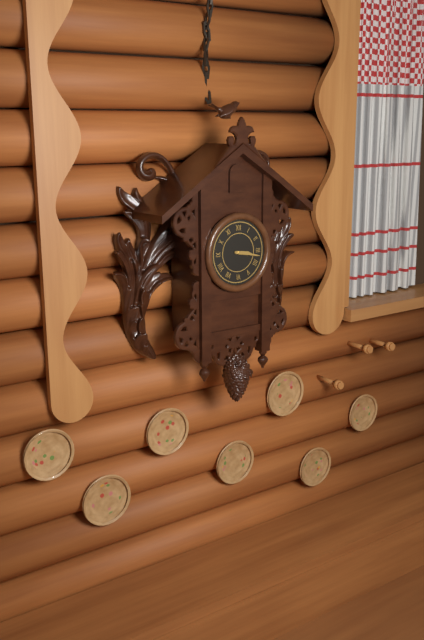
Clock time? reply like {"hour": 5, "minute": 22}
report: {"hour": 3, "minute": 17}
